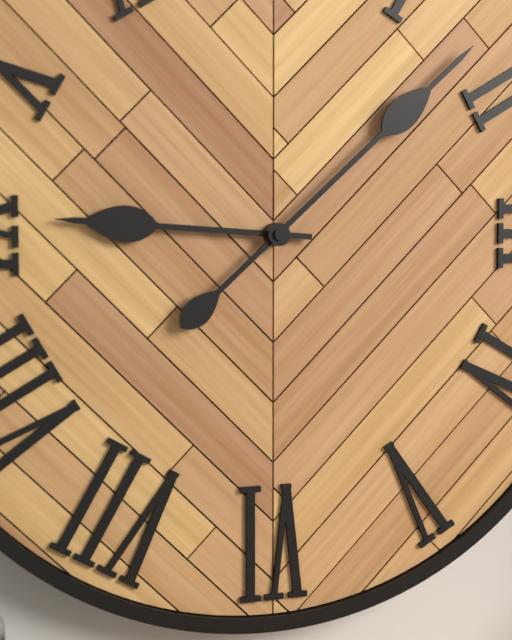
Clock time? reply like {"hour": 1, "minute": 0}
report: {"hour": 9, "minute": 8}
